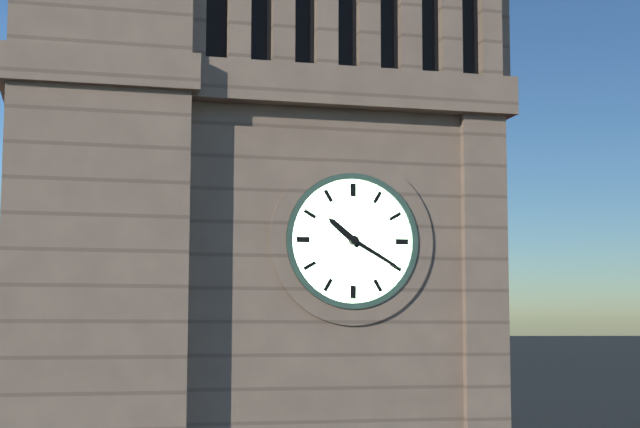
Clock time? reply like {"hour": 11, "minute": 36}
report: {"hour": 10, "minute": 20}
